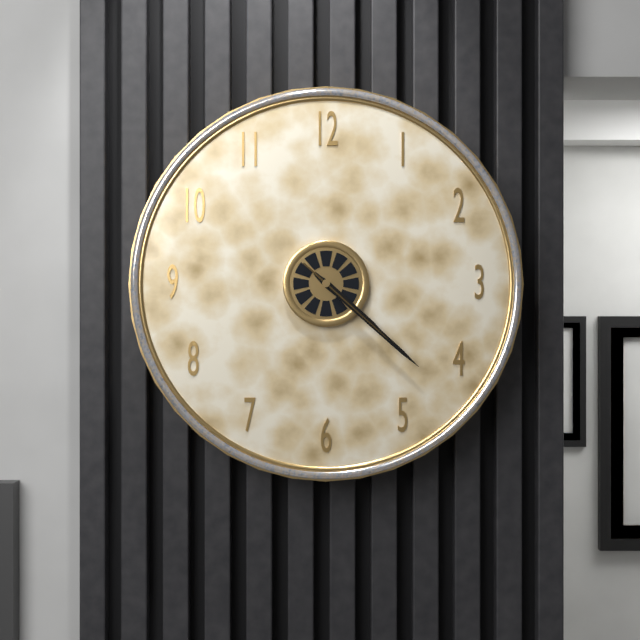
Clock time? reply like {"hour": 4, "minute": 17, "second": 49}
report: {"hour": 4, "minute": 22, "second": 22}
